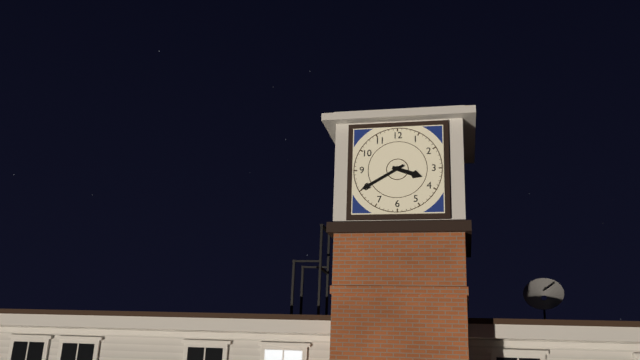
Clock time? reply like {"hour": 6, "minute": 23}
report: {"hour": 3, "minute": 40}
